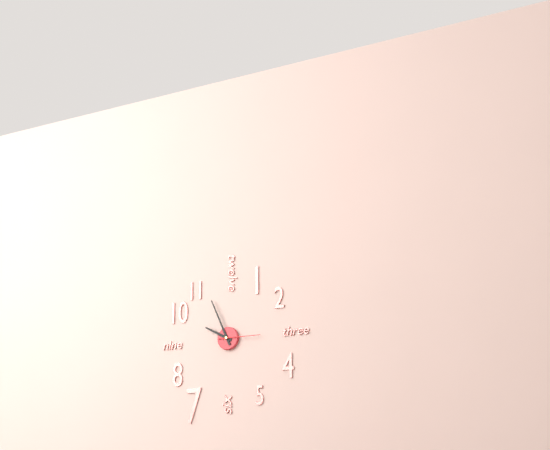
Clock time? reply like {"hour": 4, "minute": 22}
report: {"hour": 9, "minute": 56}
